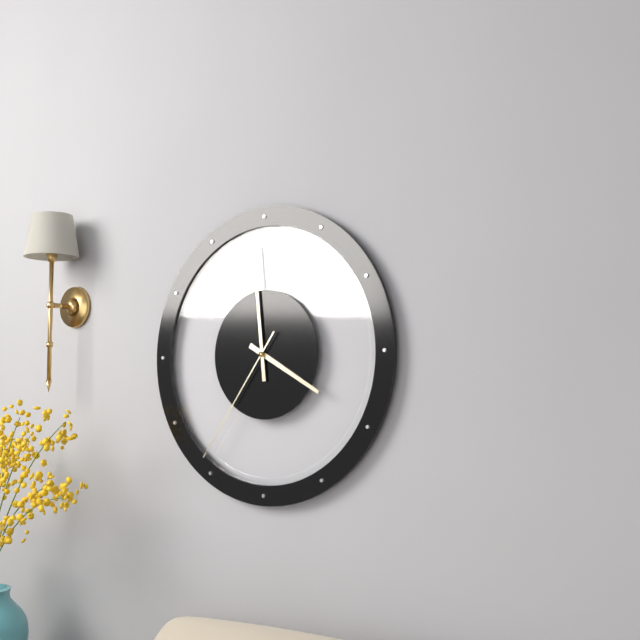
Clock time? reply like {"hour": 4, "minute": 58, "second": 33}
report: {"hour": 3, "minute": 59, "second": 36}
